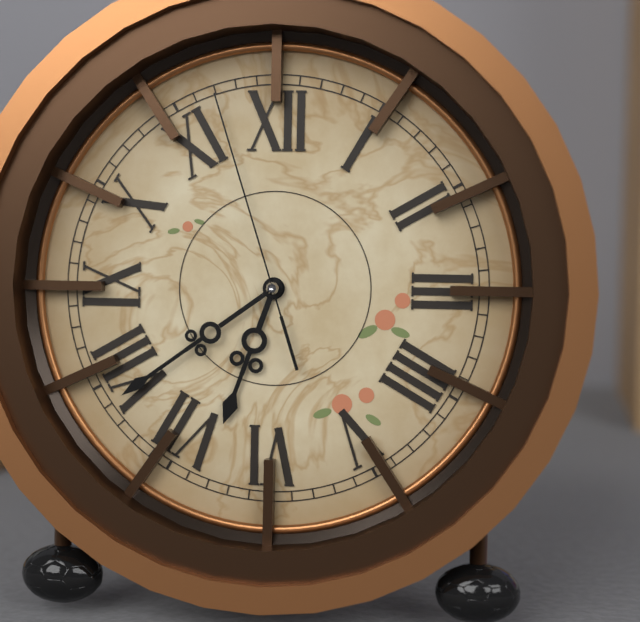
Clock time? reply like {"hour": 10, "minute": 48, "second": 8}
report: {"hour": 6, "minute": 39, "second": 57}
